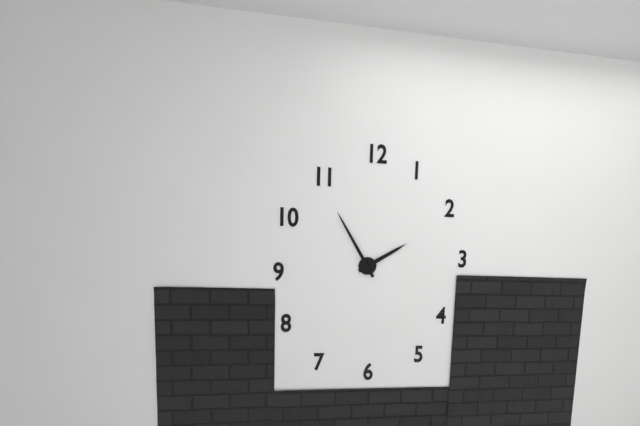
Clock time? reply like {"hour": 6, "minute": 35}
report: {"hour": 1, "minute": 55}
